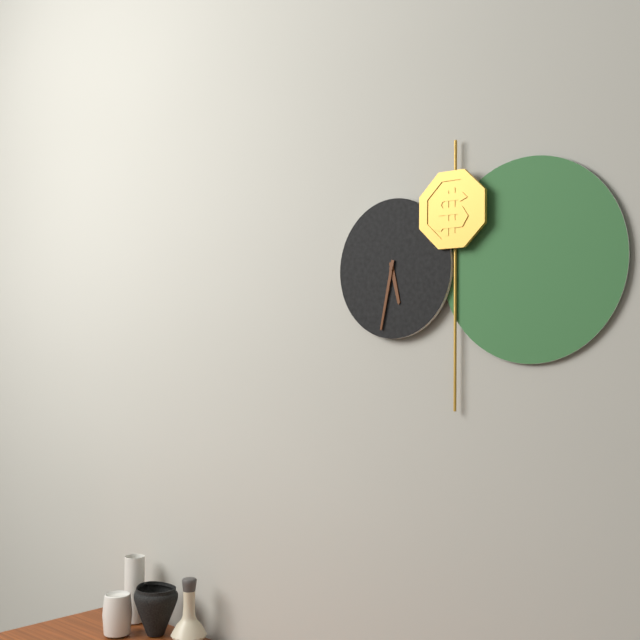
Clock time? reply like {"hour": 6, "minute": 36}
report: {"hour": 5, "minute": 32}
